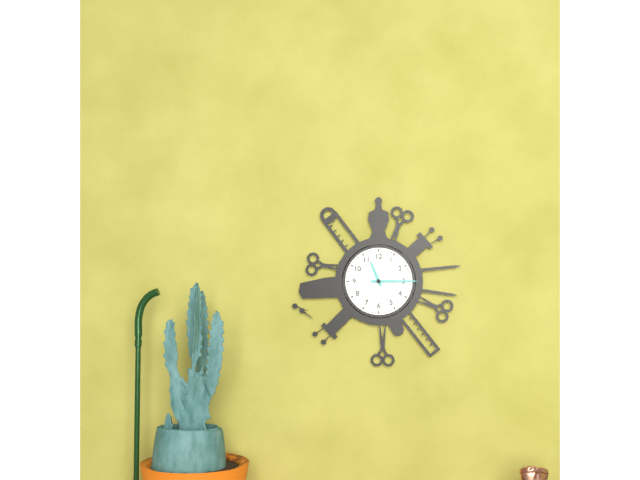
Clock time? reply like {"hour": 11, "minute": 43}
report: {"hour": 11, "minute": 15}
